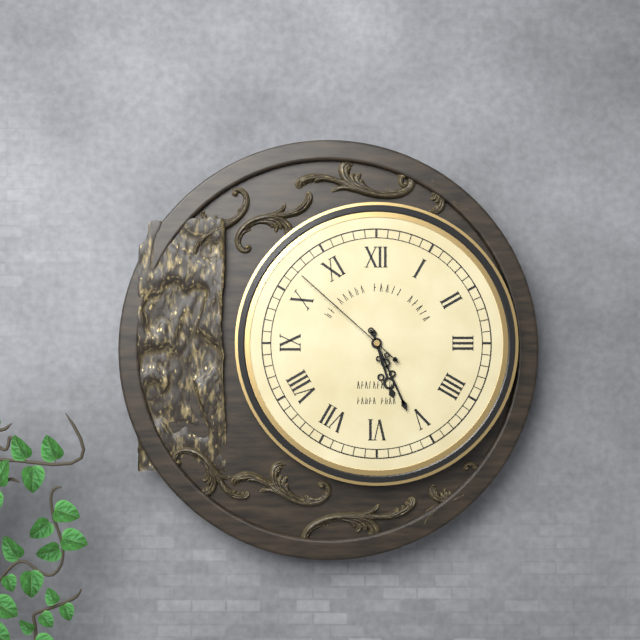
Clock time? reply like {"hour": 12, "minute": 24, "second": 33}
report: {"hour": 5, "minute": 26, "second": 52}
